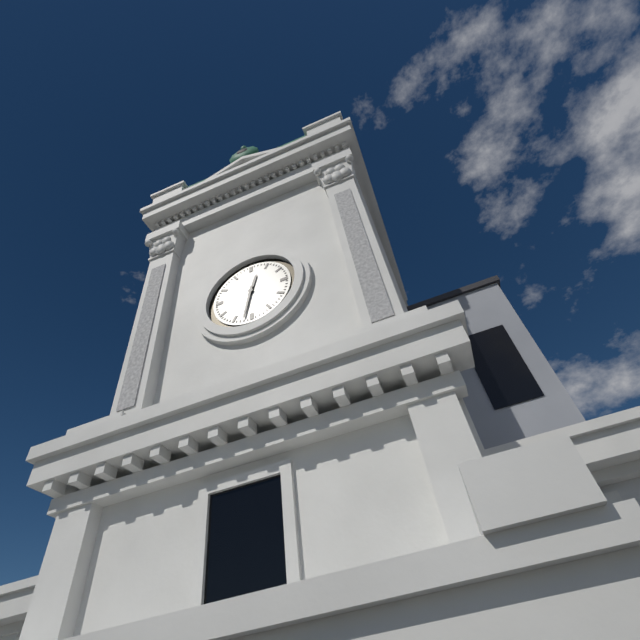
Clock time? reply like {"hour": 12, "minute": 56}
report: {"hour": 12, "minute": 32}
